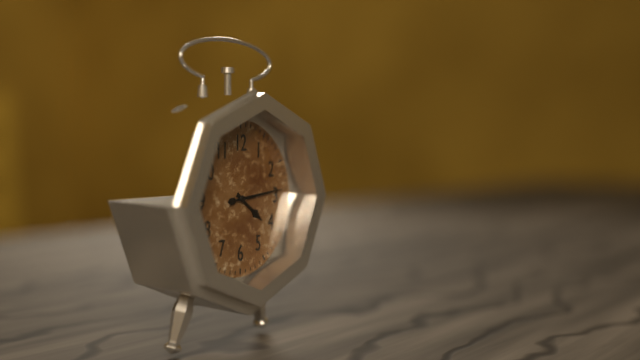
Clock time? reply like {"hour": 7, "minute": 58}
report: {"hour": 4, "minute": 14}
